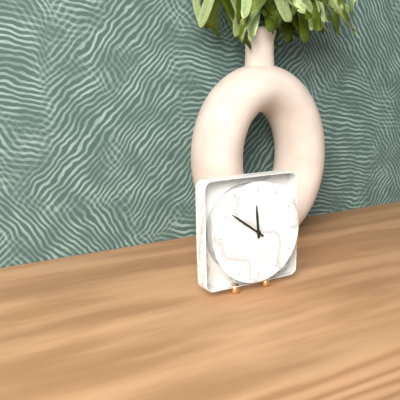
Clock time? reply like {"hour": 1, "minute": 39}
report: {"hour": 11, "minute": 51}
